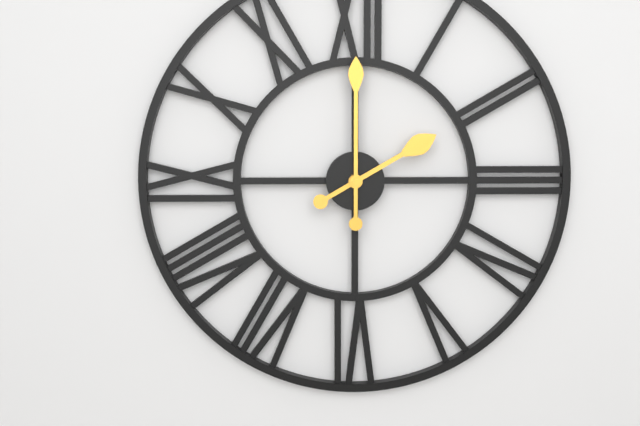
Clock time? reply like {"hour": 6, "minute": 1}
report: {"hour": 2, "minute": 0}
